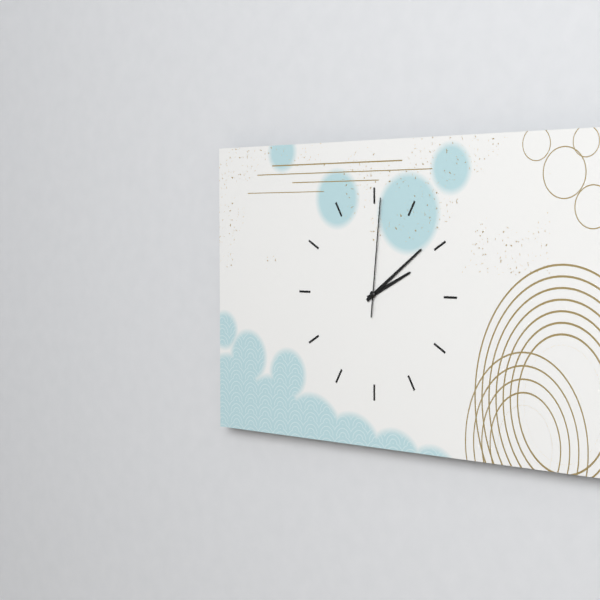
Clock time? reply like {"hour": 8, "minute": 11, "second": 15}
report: {"hour": 2, "minute": 9, "second": 1}
